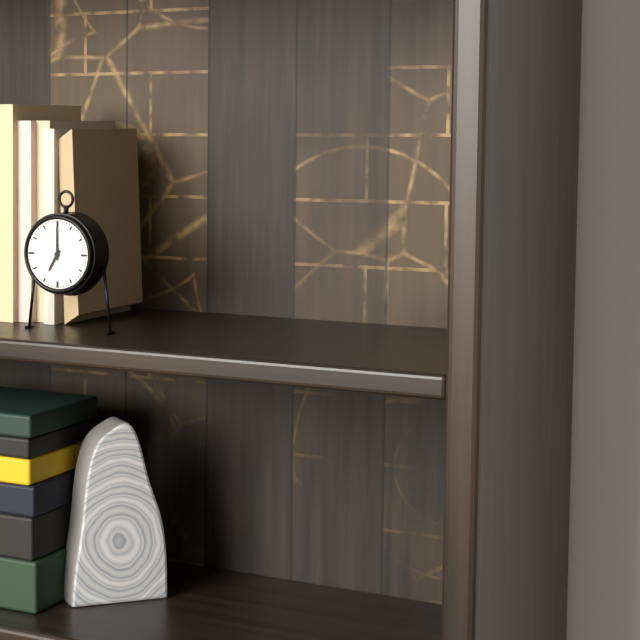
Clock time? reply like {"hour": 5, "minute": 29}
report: {"hour": 7, "minute": 0}
